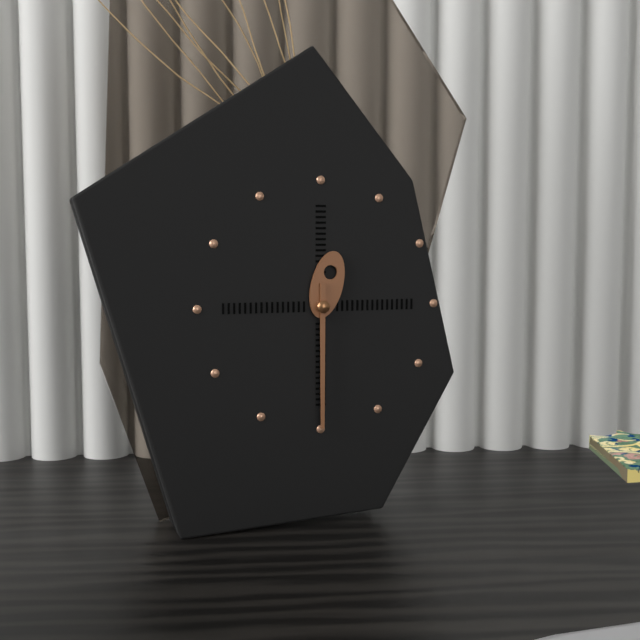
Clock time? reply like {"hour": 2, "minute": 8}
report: {"hour": 12, "minute": 30}
